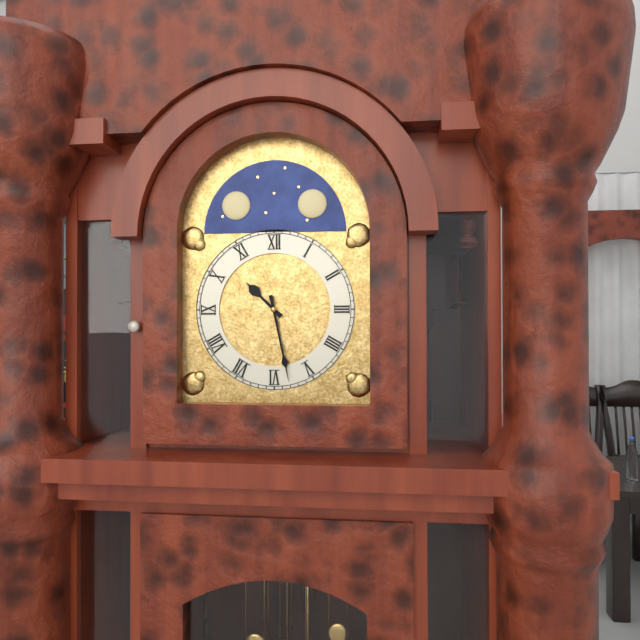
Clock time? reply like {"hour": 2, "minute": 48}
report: {"hour": 10, "minute": 28}
